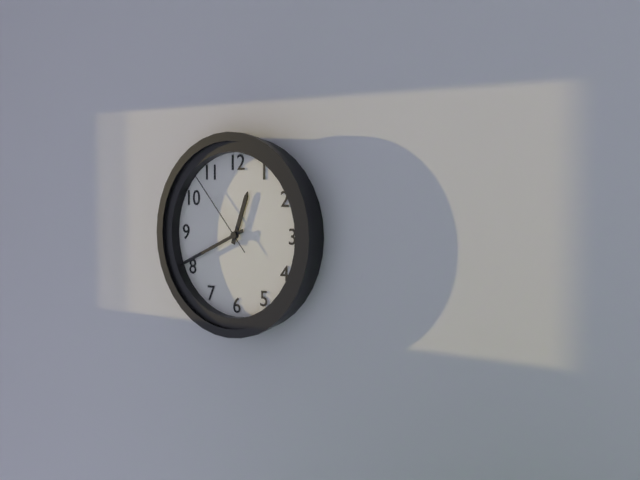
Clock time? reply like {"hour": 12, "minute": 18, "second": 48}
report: {"hour": 12, "minute": 41, "second": 53}
